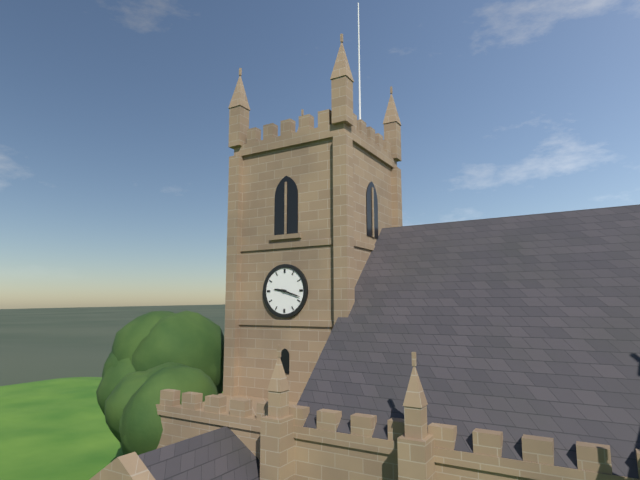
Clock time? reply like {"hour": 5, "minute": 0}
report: {"hour": 9, "minute": 18}
